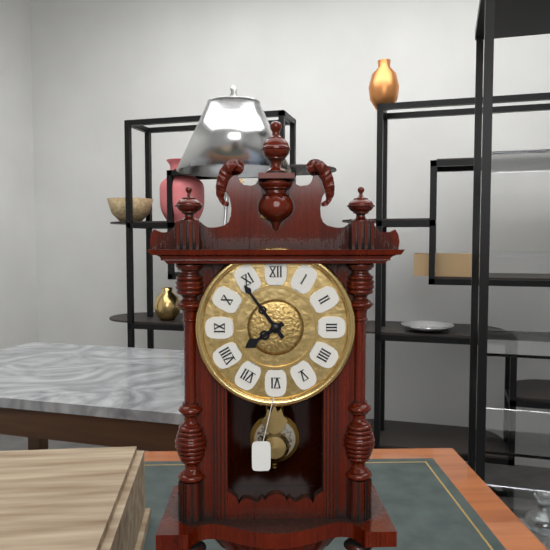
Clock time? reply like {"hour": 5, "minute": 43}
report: {"hour": 7, "minute": 54}
